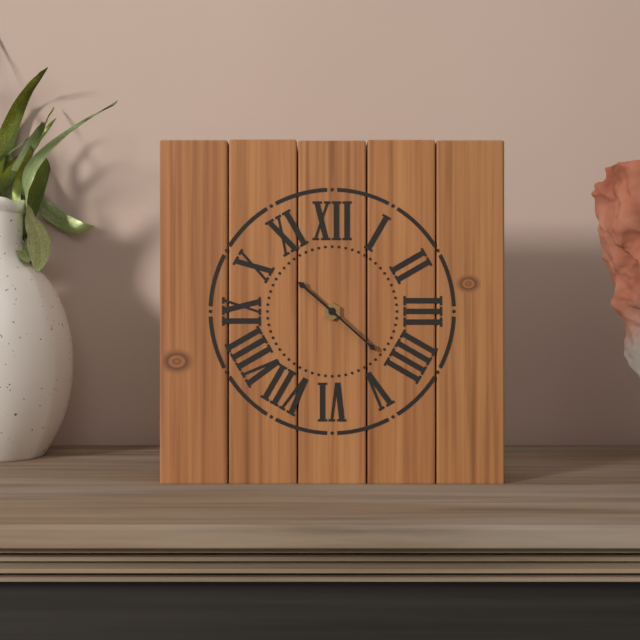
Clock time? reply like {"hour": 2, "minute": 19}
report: {"hour": 10, "minute": 22}
